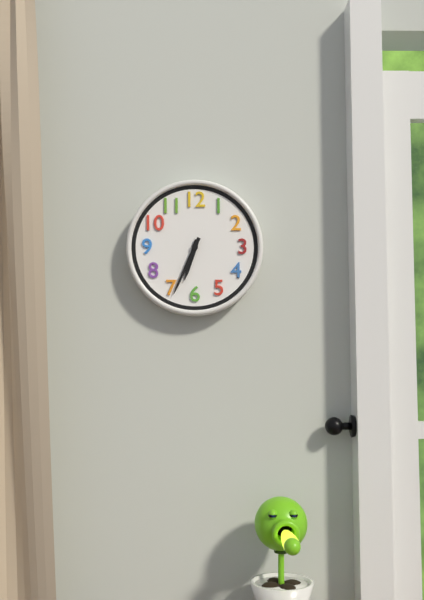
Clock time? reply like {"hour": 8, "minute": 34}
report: {"hour": 6, "minute": 34}
